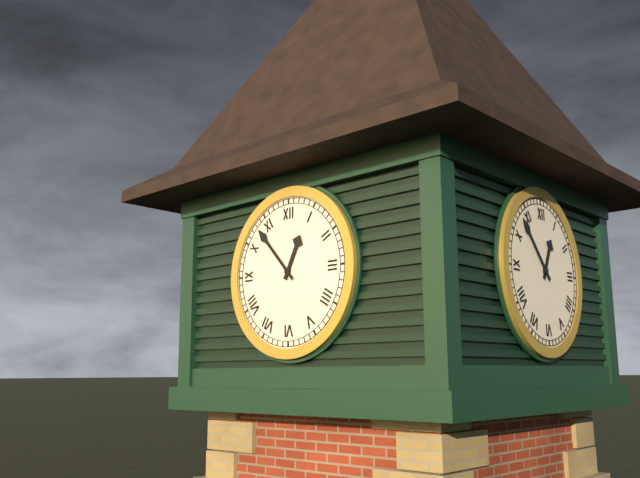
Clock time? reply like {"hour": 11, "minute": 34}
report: {"hour": 12, "minute": 53}
